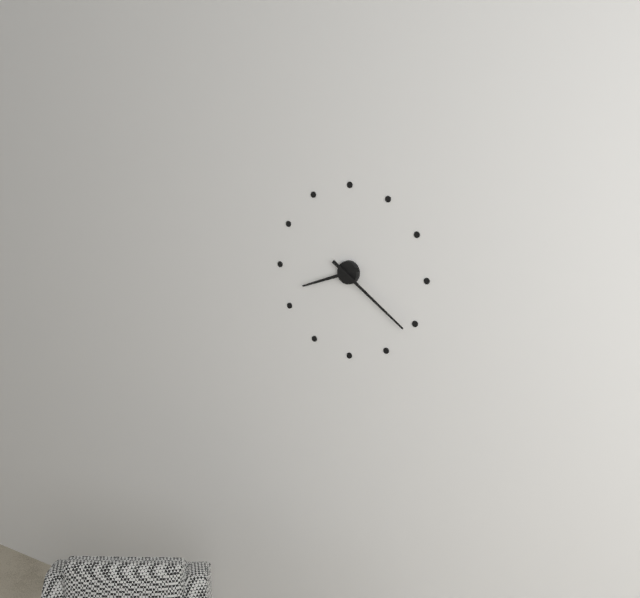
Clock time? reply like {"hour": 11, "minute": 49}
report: {"hour": 8, "minute": 21}
